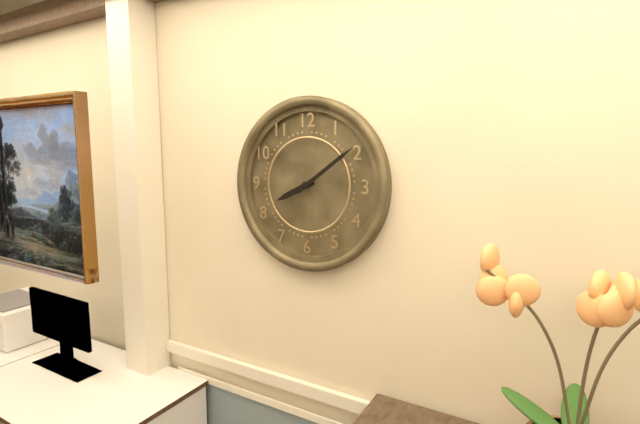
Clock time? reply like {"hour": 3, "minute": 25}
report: {"hour": 8, "minute": 9}
